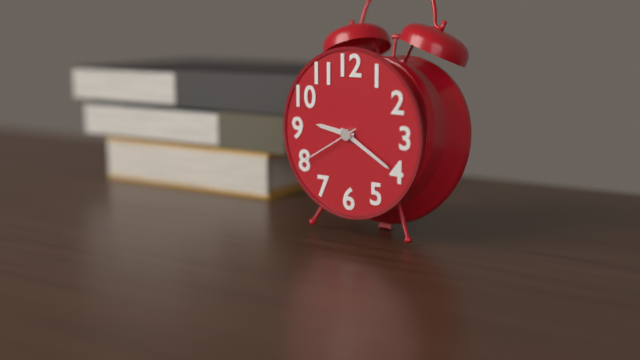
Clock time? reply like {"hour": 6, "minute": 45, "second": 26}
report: {"hour": 9, "minute": 20, "second": 40}
